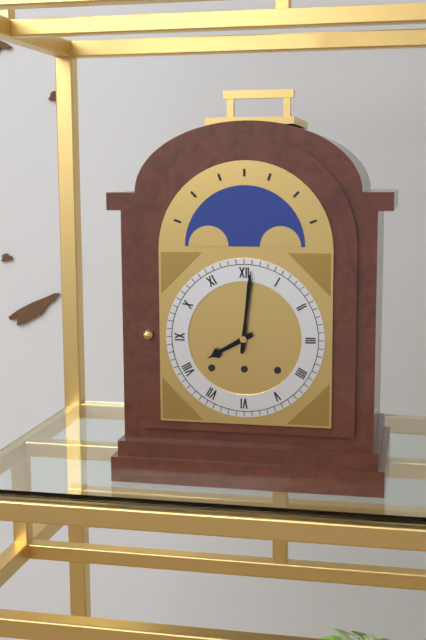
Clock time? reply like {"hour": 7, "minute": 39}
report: {"hour": 8, "minute": 1}
